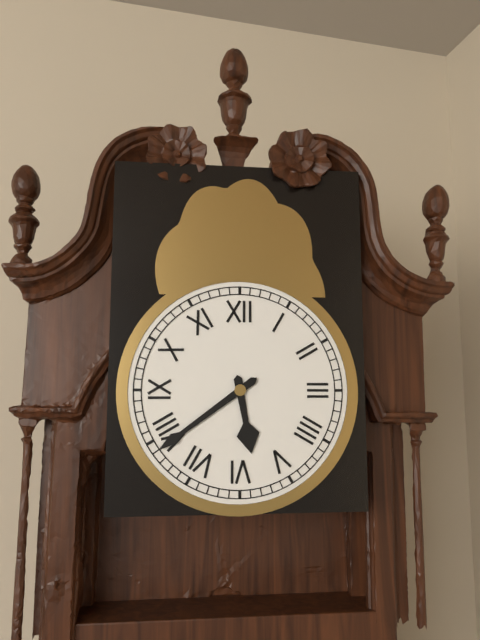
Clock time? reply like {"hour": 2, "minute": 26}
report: {"hour": 5, "minute": 39}
